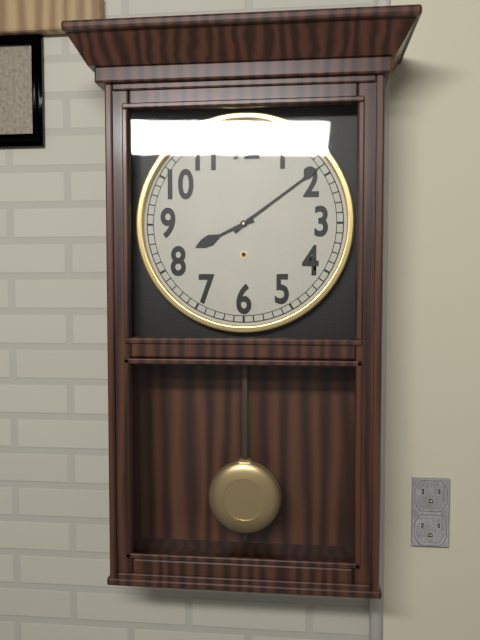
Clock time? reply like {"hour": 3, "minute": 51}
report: {"hour": 8, "minute": 9}
